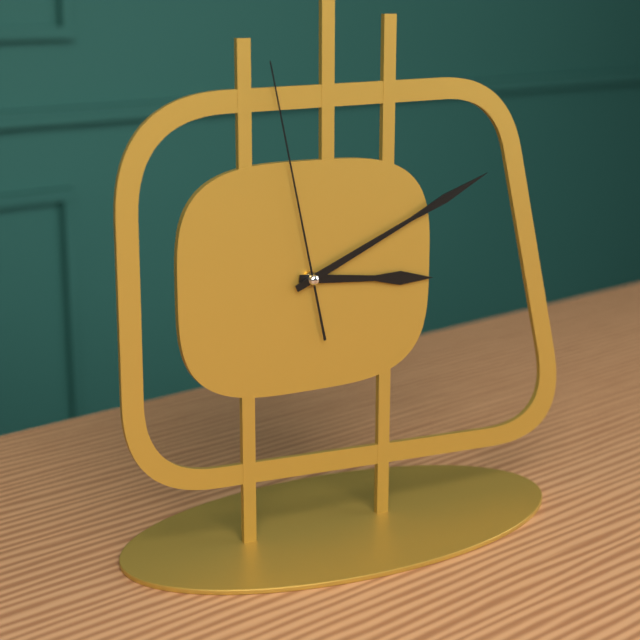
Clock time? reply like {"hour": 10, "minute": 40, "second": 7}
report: {"hour": 3, "minute": 11, "second": 58}
